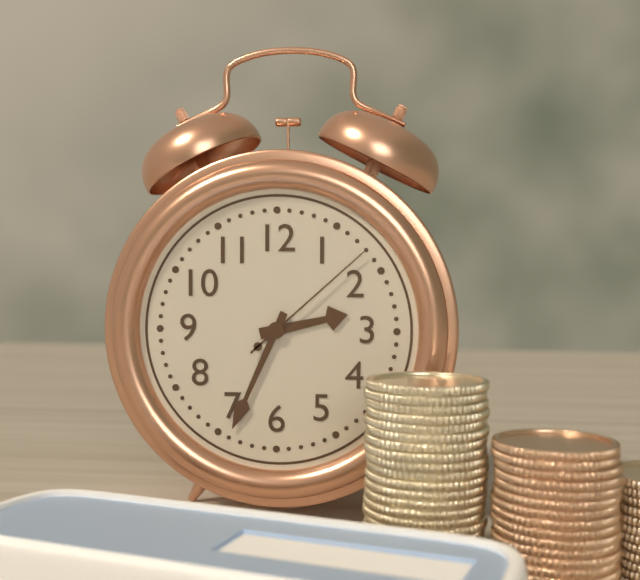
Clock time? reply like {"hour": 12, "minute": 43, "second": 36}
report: {"hour": 2, "minute": 34, "second": 8}
